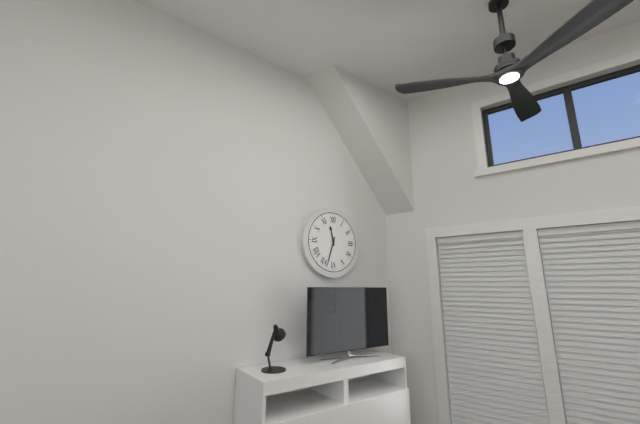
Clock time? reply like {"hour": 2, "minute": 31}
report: {"hour": 11, "minute": 33}
